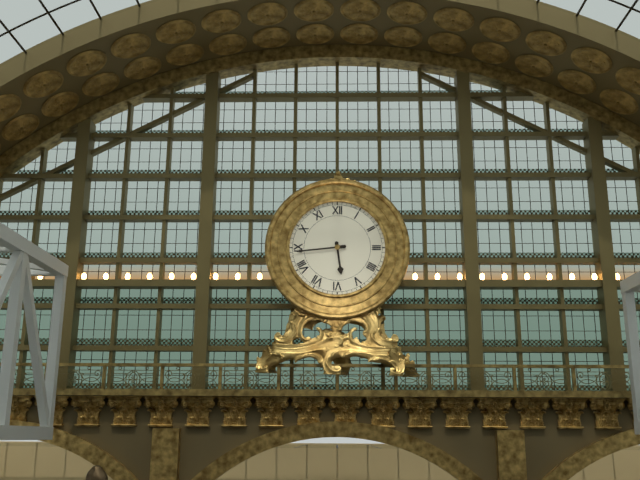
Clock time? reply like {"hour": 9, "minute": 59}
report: {"hour": 5, "minute": 44}
